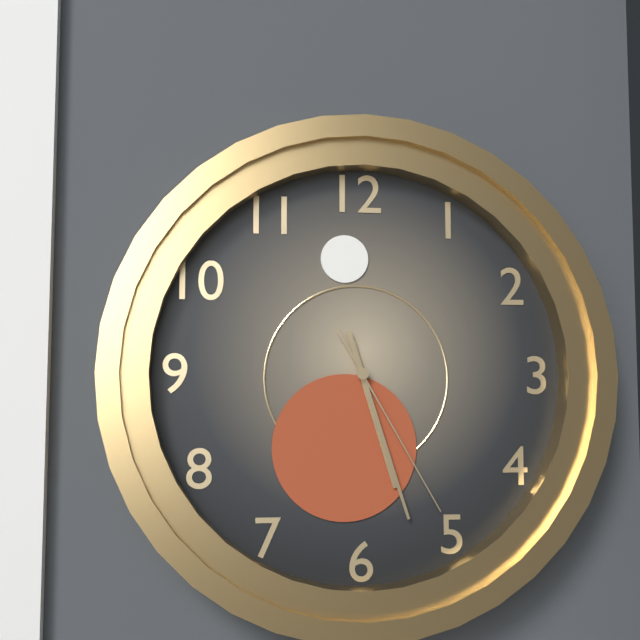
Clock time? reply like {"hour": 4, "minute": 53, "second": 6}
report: {"hour": 5, "minute": 27, "second": 25}
